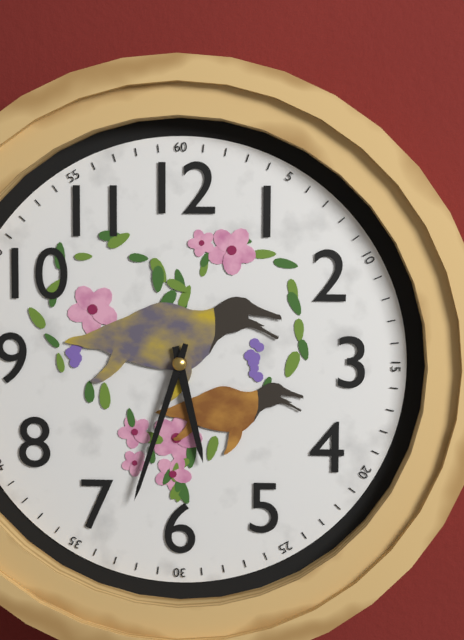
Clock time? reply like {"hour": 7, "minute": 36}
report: {"hour": 5, "minute": 33}
